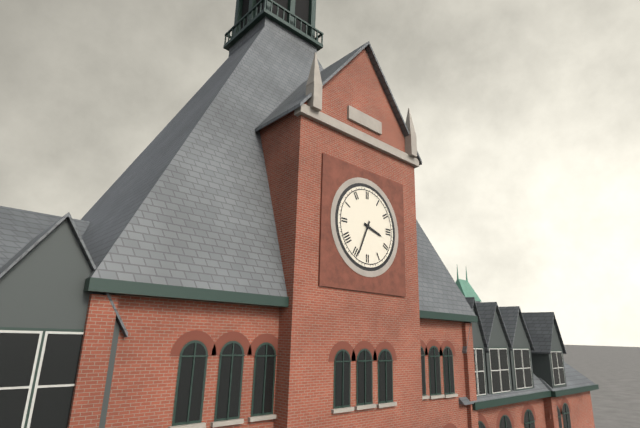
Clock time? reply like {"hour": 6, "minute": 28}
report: {"hour": 3, "minute": 34}
